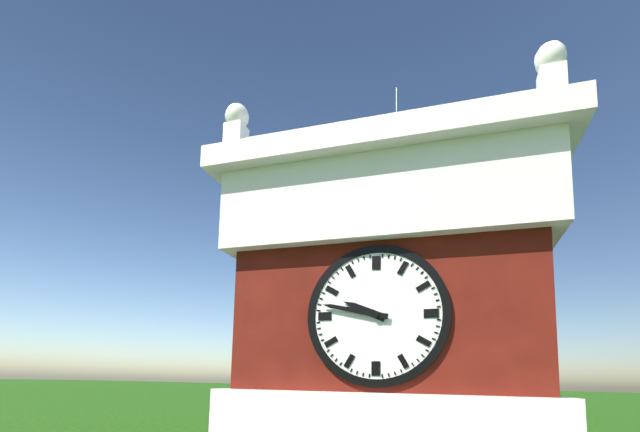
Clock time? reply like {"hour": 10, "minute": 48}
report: {"hour": 9, "minute": 47}
